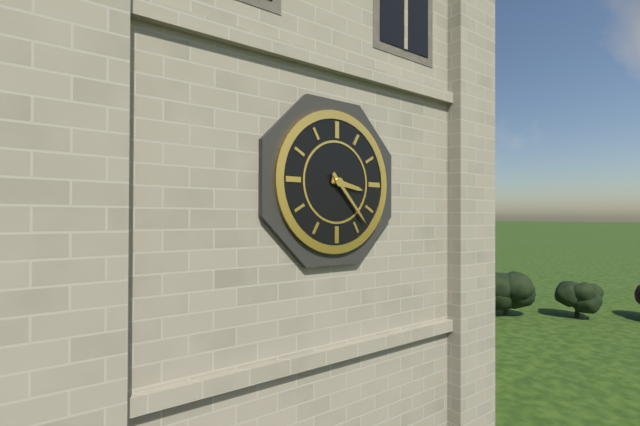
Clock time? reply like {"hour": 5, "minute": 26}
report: {"hour": 3, "minute": 23}
